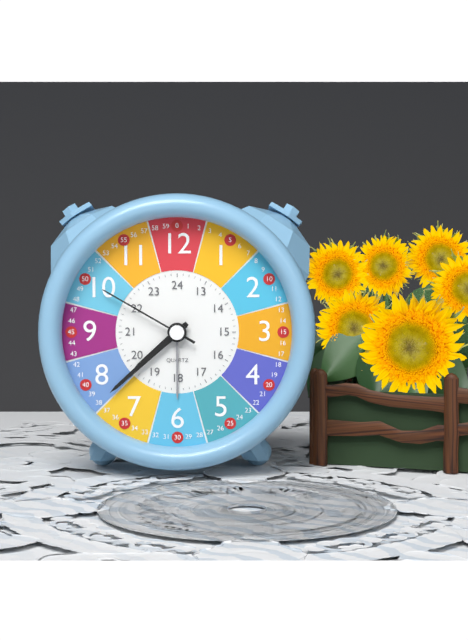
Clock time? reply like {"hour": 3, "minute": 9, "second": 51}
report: {"hour": 7, "minute": 38, "second": 50}
